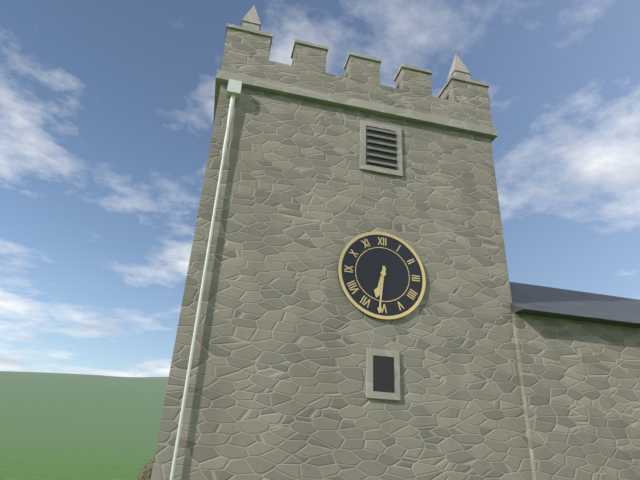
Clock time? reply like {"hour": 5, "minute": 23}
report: {"hour": 6, "minute": 31}
